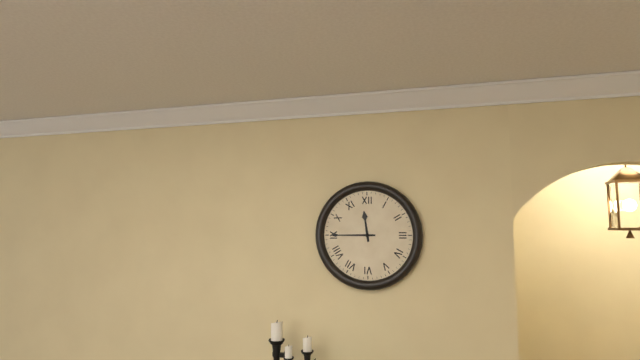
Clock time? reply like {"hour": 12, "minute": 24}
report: {"hour": 11, "minute": 45}
